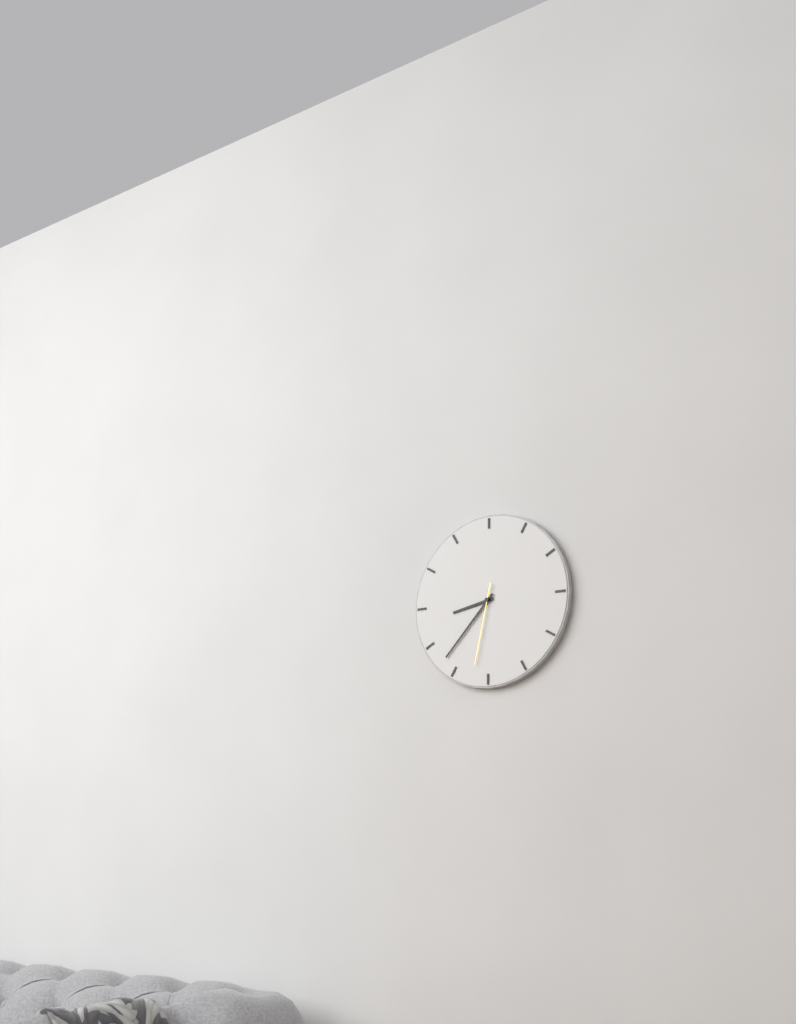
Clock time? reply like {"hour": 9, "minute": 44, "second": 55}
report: {"hour": 8, "minute": 37, "second": 32}
